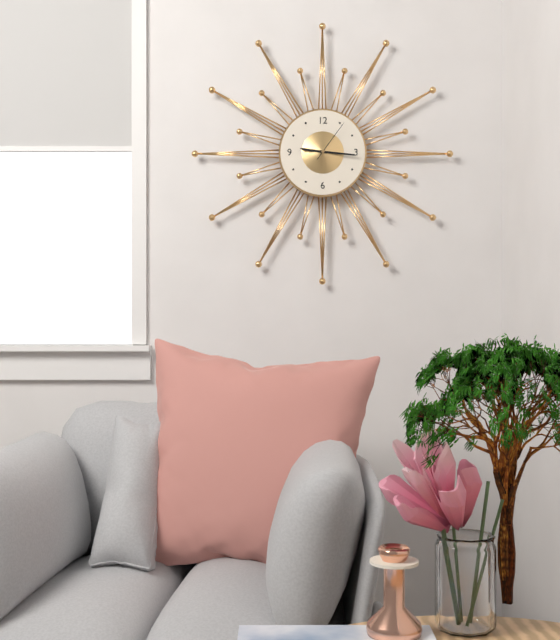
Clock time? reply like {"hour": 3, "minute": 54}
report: {"hour": 9, "minute": 16}
